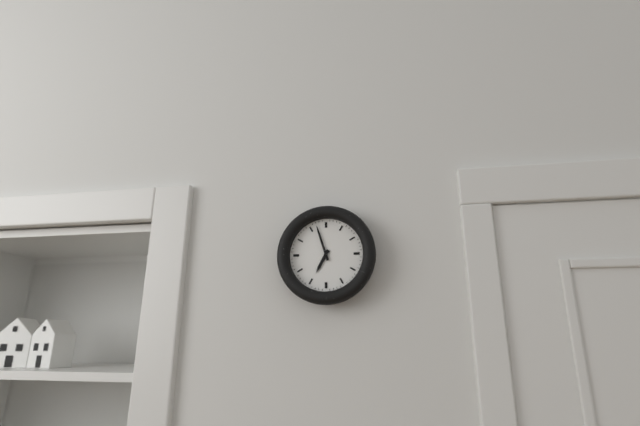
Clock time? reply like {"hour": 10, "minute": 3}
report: {"hour": 6, "minute": 57}
